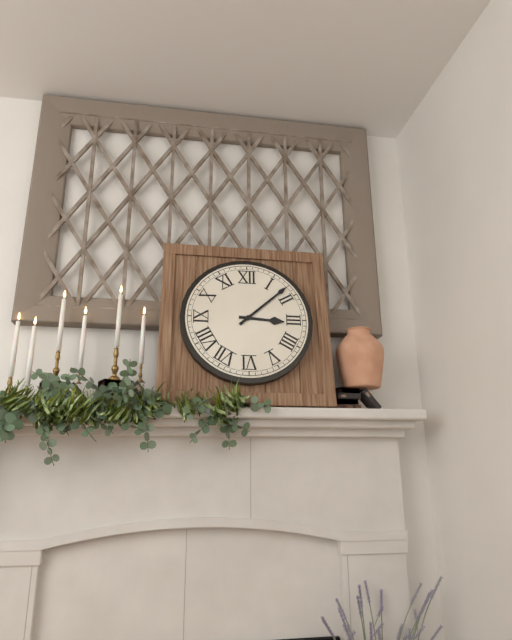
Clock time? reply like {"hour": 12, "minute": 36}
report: {"hour": 3, "minute": 8}
